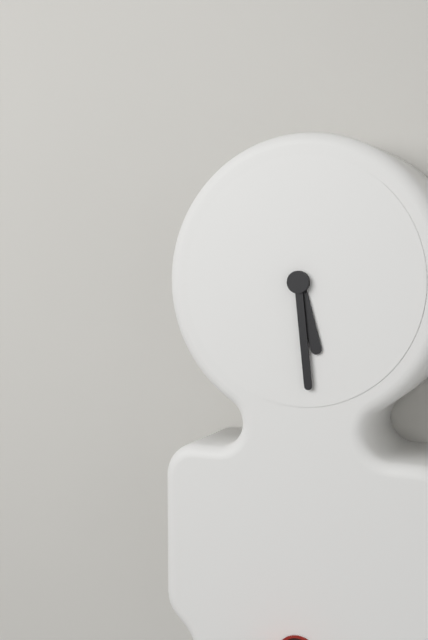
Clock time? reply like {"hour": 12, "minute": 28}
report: {"hour": 5, "minute": 29}
